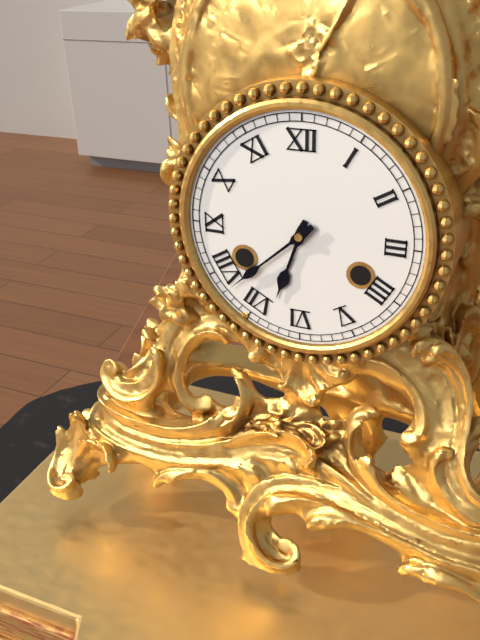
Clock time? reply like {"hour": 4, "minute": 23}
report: {"hour": 6, "minute": 38}
